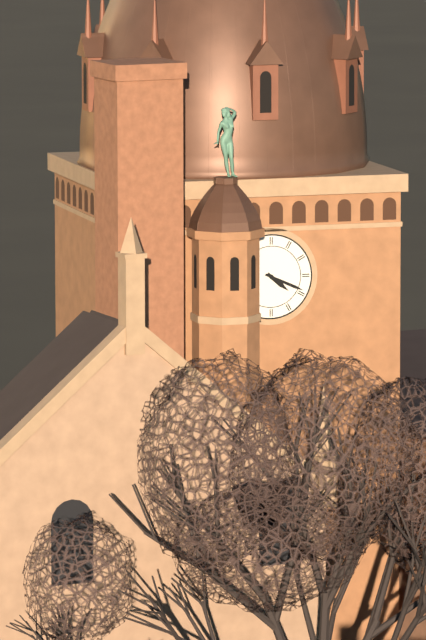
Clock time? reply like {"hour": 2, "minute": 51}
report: {"hour": 4, "minute": 19}
